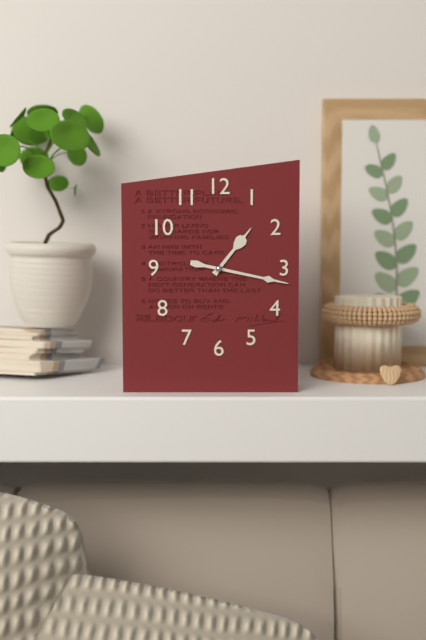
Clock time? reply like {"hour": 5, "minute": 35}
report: {"hour": 1, "minute": 17}
